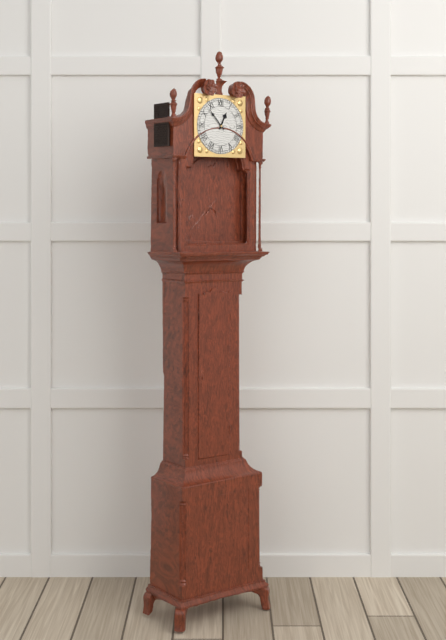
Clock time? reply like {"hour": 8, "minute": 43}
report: {"hour": 12, "minute": 53}
